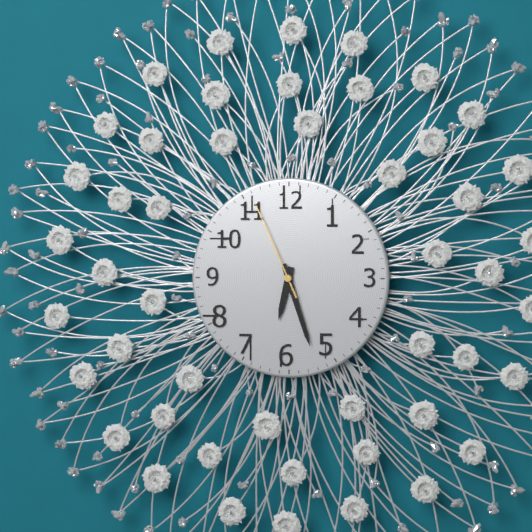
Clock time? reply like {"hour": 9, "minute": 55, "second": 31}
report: {"hour": 6, "minute": 27, "second": 56}
